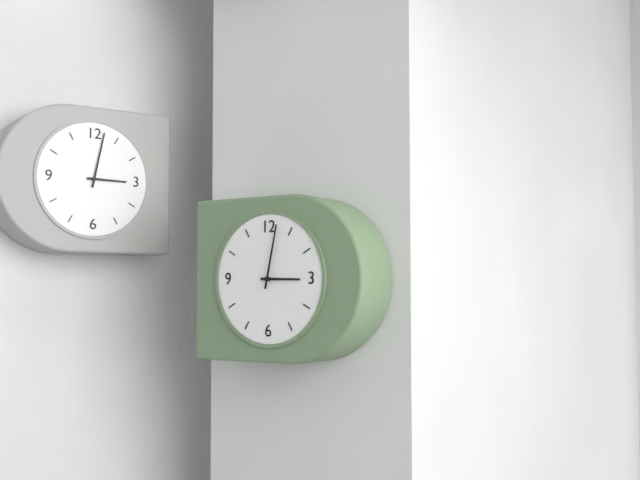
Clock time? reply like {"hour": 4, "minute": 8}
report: {"hour": 3, "minute": 2}
